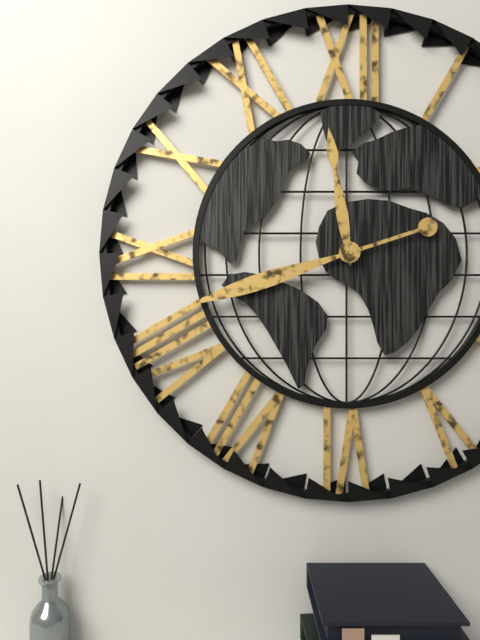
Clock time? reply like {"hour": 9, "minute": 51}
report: {"hour": 11, "minute": 42}
